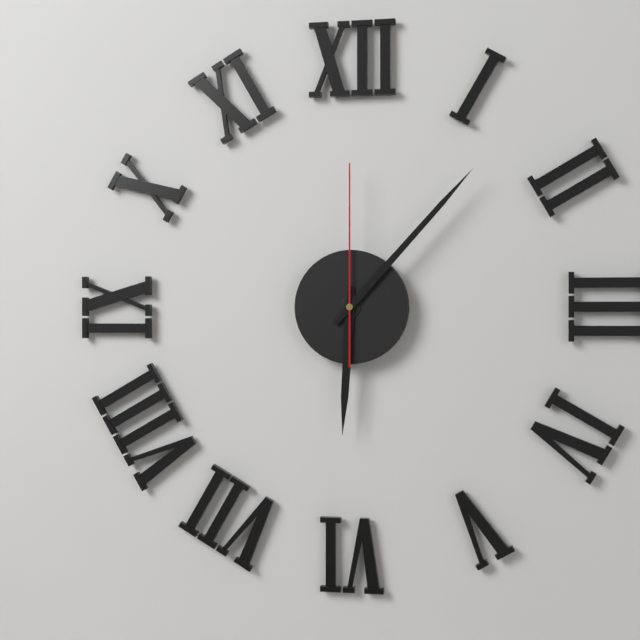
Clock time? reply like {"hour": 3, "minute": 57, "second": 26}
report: {"hour": 6, "minute": 7, "second": 0}
